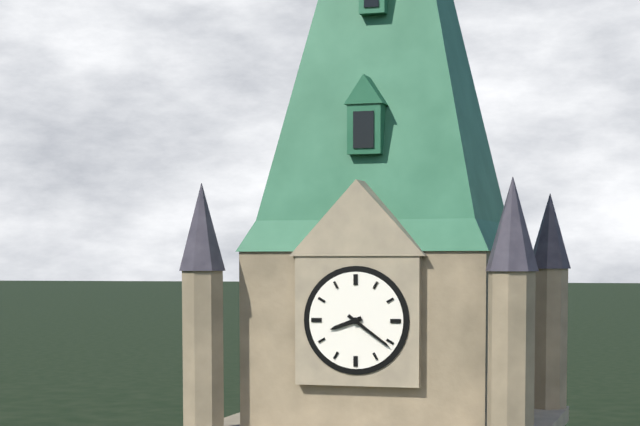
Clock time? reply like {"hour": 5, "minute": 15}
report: {"hour": 8, "minute": 21}
